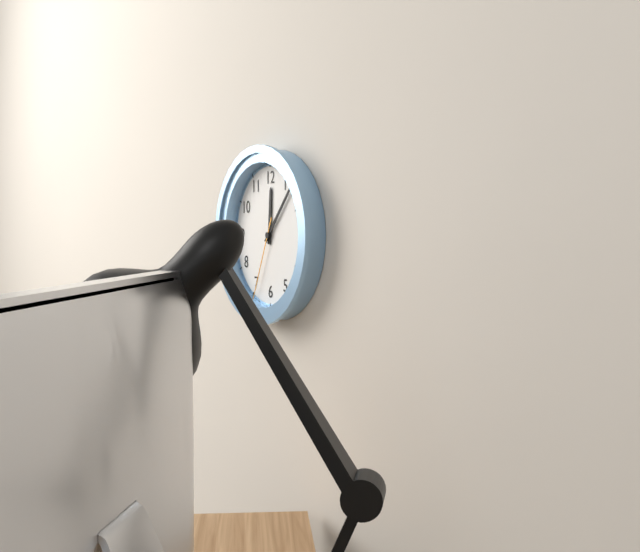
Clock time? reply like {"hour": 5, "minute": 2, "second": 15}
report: {"hour": 12, "minute": 7, "second": 34}
